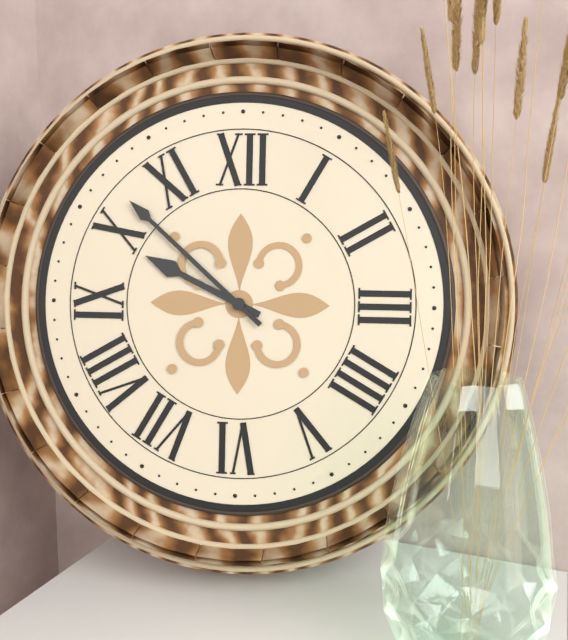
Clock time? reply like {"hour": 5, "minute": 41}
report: {"hour": 9, "minute": 52}
